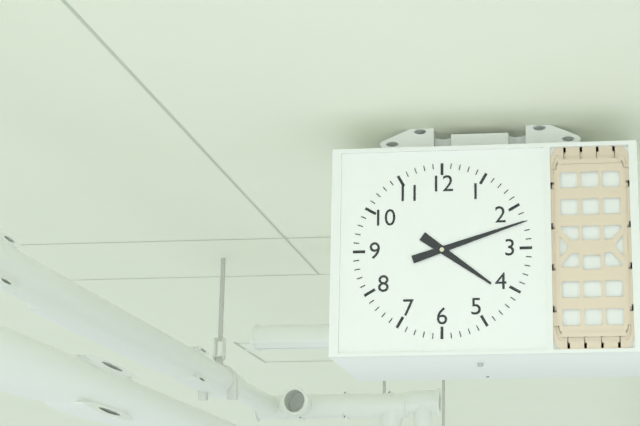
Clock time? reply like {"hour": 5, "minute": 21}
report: {"hour": 4, "minute": 12}
